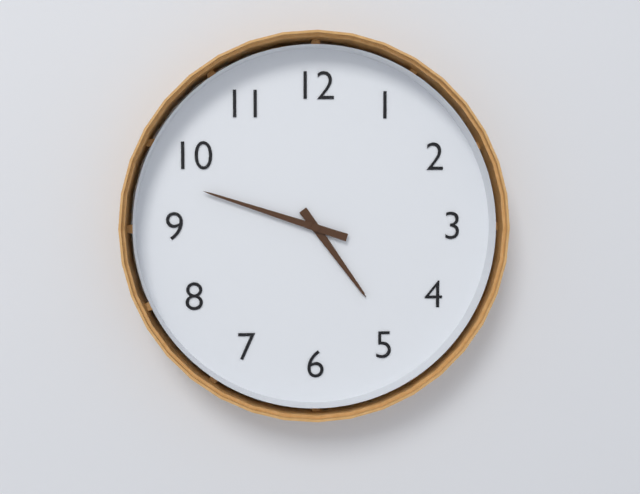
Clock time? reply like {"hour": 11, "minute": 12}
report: {"hour": 4, "minute": 48}
